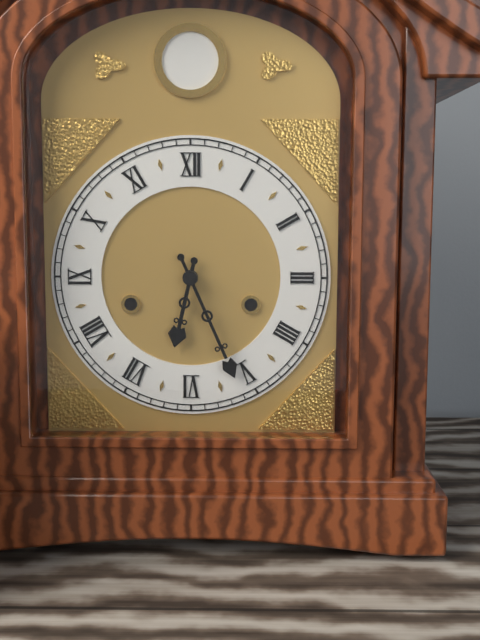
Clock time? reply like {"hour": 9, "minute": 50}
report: {"hour": 6, "minute": 26}
